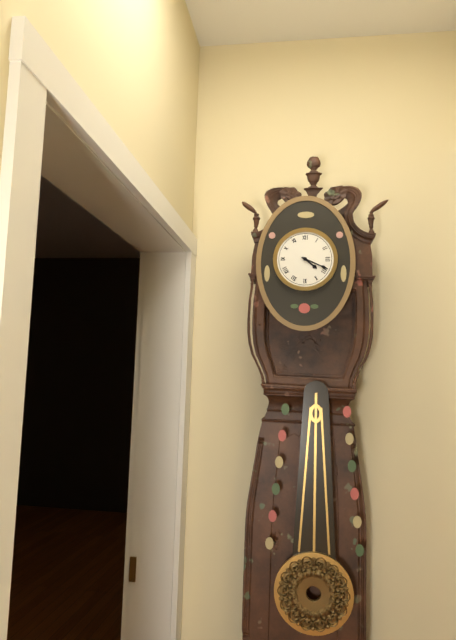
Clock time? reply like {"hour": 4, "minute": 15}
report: {"hour": 4, "minute": 19}
